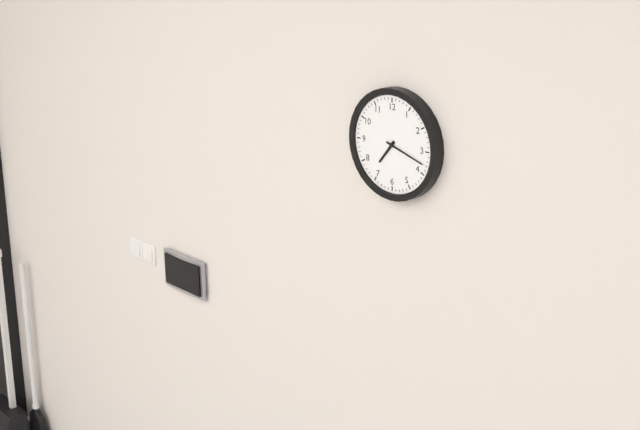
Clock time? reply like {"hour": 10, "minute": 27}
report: {"hour": 7, "minute": 18}
